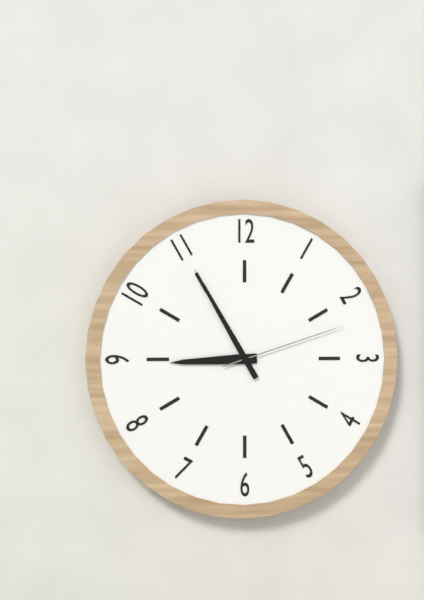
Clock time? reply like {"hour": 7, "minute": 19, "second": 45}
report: {"hour": 8, "minute": 55, "second": 12}
